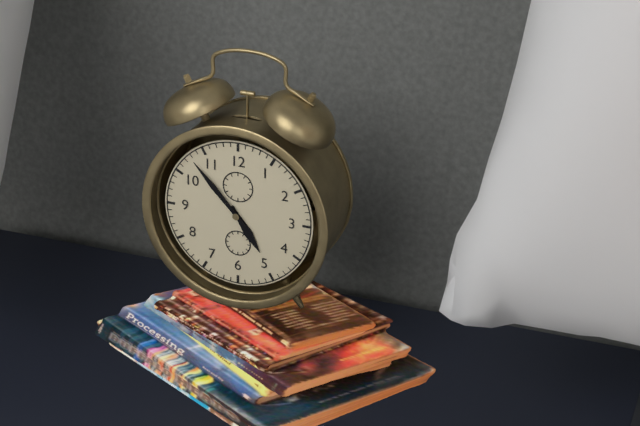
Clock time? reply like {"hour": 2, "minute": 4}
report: {"hour": 4, "minute": 53}
